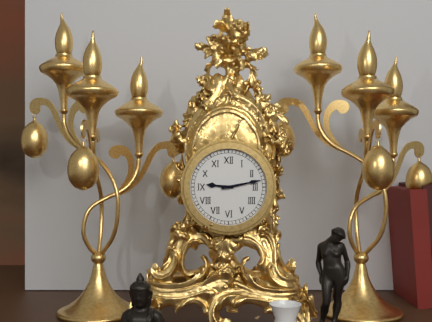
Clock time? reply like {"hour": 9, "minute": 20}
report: {"hour": 9, "minute": 13}
